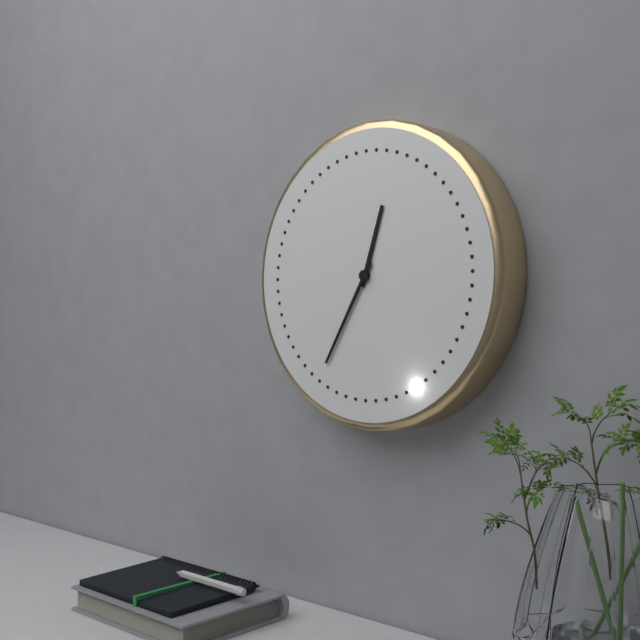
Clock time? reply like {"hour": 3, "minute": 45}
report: {"hour": 12, "minute": 35}
